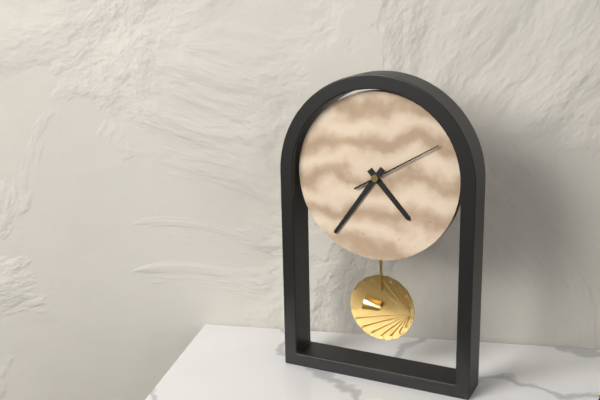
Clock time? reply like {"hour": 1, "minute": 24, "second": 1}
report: {"hour": 4, "minute": 36, "second": 10}
